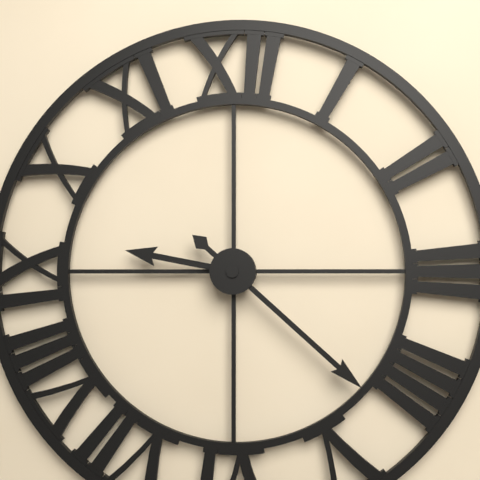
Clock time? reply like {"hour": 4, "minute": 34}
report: {"hour": 9, "minute": 22}
